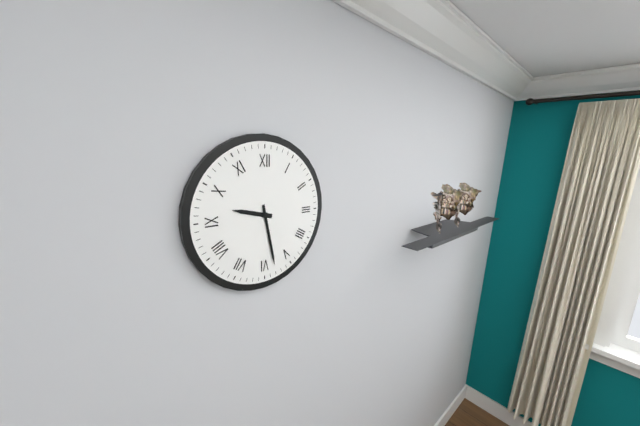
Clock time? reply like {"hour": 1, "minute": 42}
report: {"hour": 9, "minute": 28}
